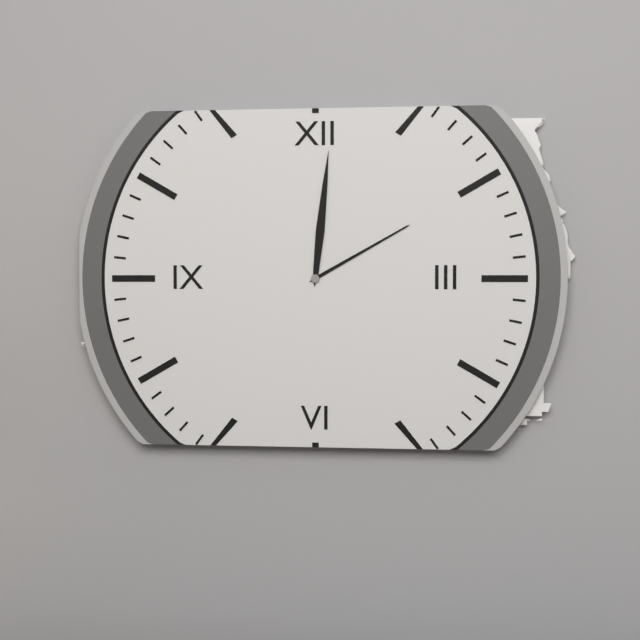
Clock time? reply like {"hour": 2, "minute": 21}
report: {"hour": 2, "minute": 1}
